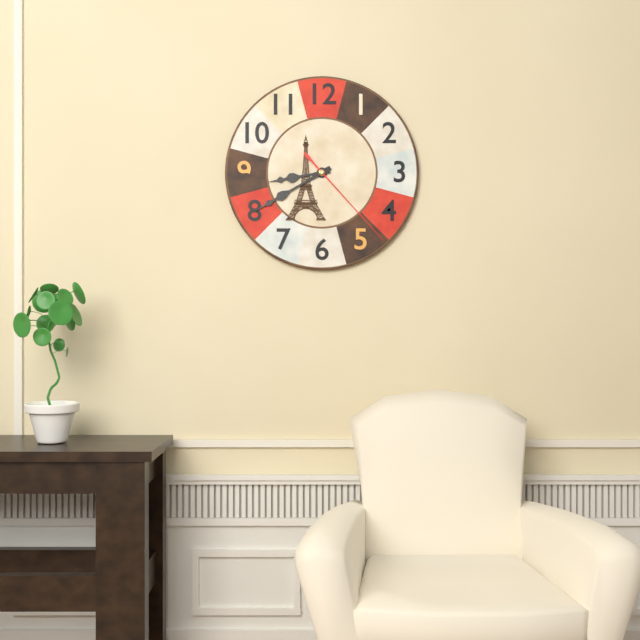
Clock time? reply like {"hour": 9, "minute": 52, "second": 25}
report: {"hour": 8, "minute": 40, "second": 23}
